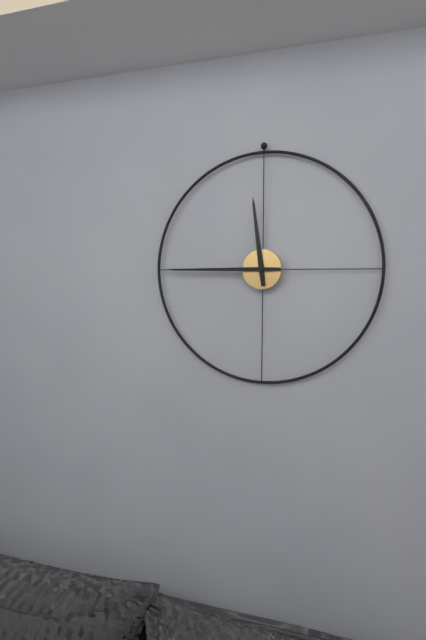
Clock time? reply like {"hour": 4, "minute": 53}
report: {"hour": 11, "minute": 45}
